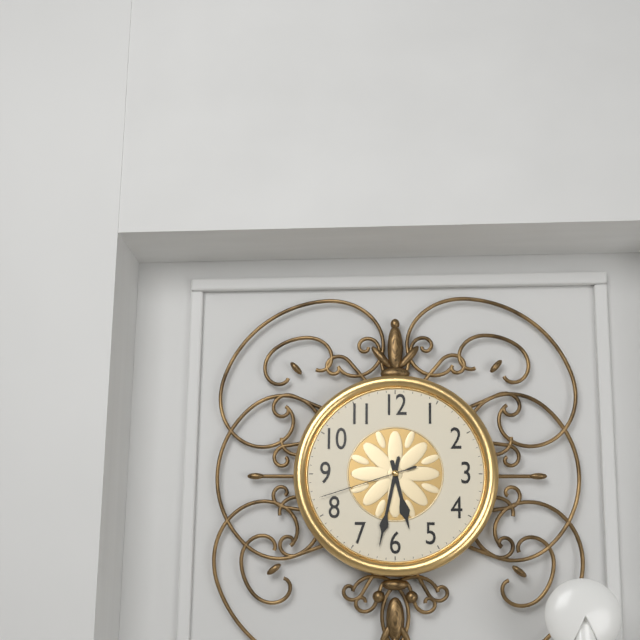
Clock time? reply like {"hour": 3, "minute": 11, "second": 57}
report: {"hour": 5, "minute": 32, "second": 42}
